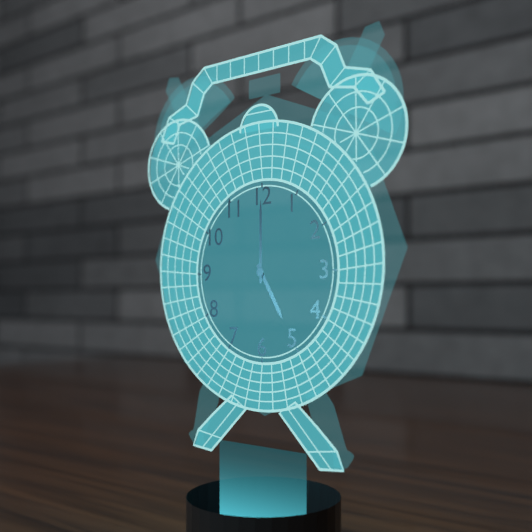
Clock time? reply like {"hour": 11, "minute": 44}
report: {"hour": 5, "minute": 0}
